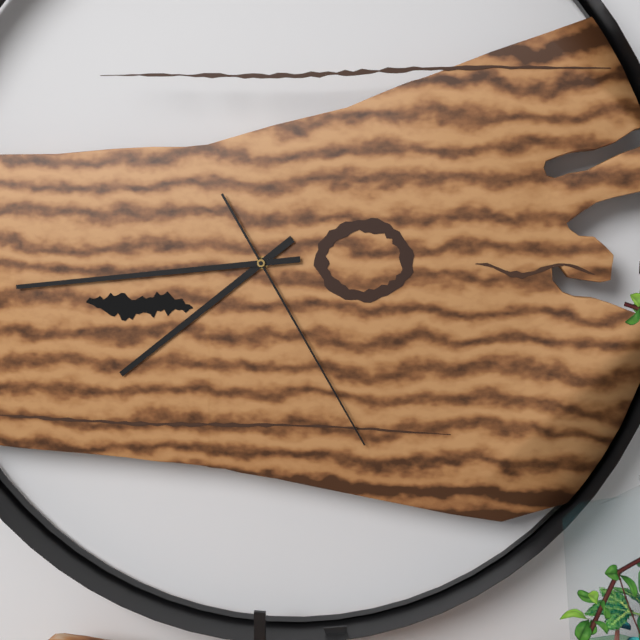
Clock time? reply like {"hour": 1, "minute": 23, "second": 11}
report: {"hour": 7, "minute": 44, "second": 25}
